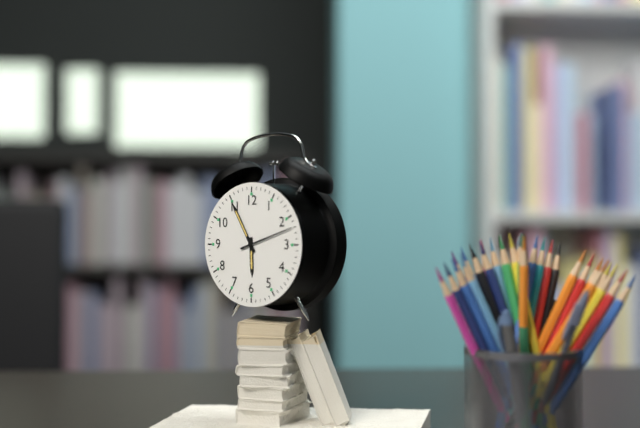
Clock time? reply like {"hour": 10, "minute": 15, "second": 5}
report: {"hour": 5, "minute": 55, "second": 12}
